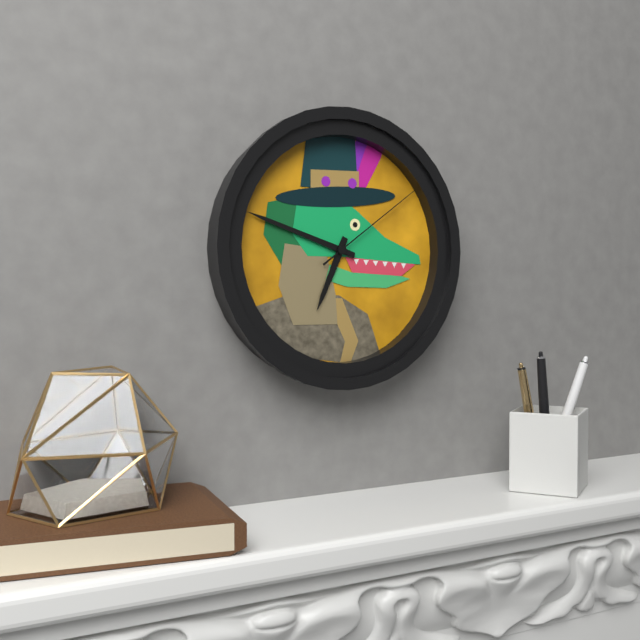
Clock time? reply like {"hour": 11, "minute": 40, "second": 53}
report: {"hour": 6, "minute": 48, "second": 9}
